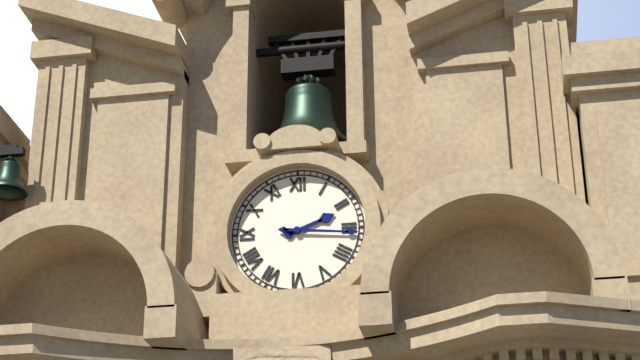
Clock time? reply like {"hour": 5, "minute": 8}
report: {"hour": 2, "minute": 16}
